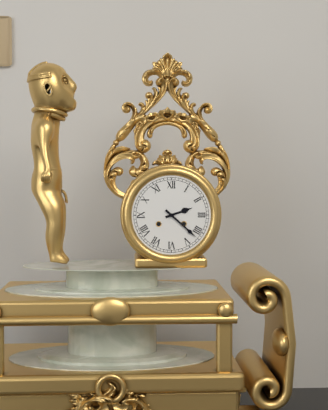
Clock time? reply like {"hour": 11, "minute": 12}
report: {"hour": 2, "minute": 22}
